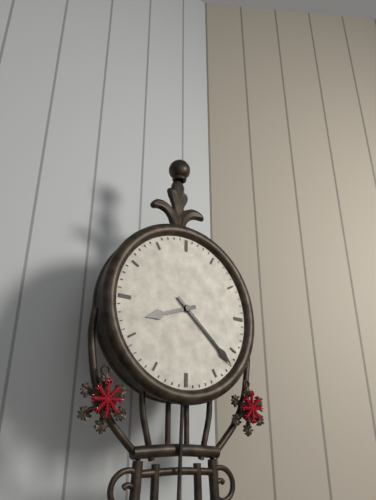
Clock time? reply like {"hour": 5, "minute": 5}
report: {"hour": 8, "minute": 22}
